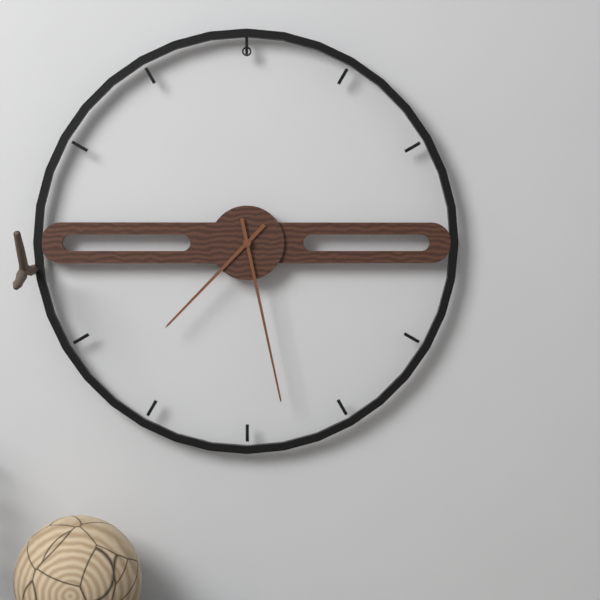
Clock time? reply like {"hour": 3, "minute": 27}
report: {"hour": 7, "minute": 28}
